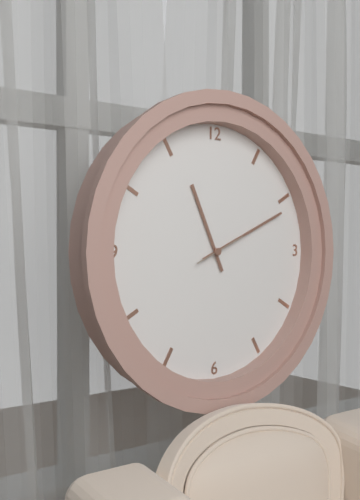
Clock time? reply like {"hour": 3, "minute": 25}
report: {"hour": 11, "minute": 11}
